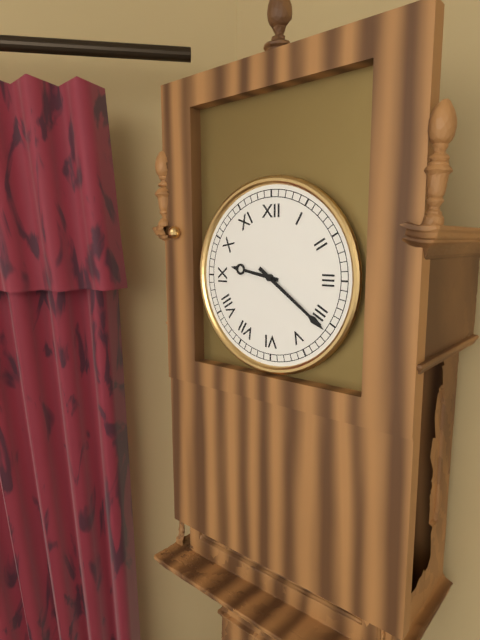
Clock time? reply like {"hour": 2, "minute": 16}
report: {"hour": 9, "minute": 21}
